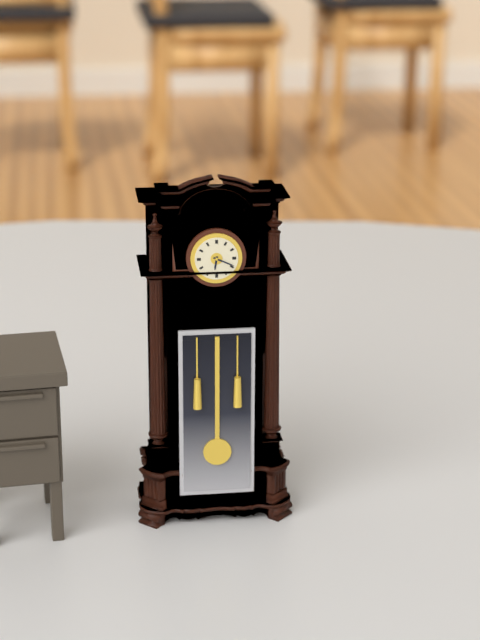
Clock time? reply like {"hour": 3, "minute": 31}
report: {"hour": 6, "minute": 19}
